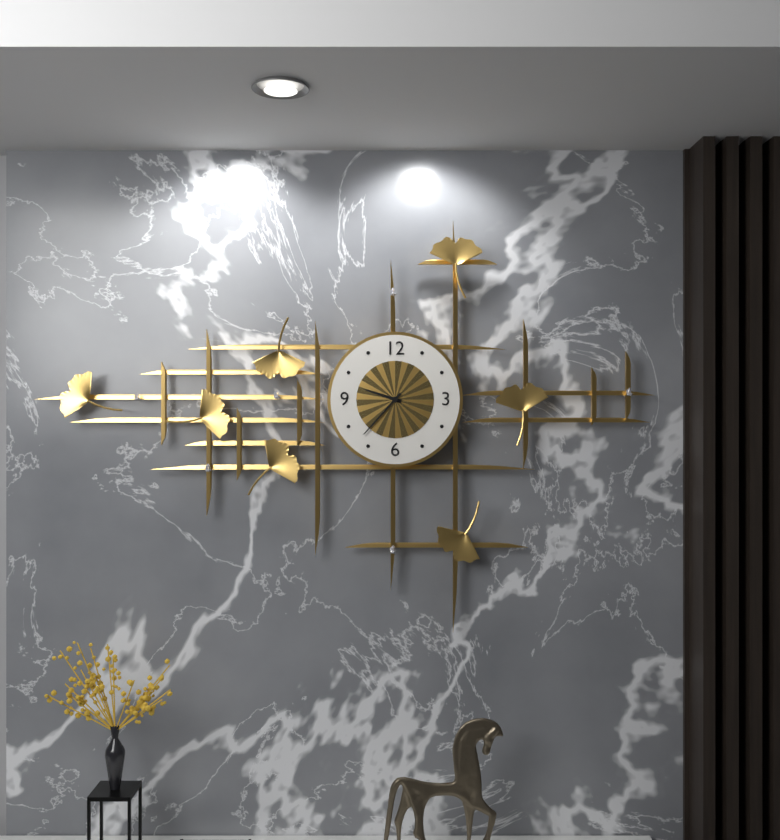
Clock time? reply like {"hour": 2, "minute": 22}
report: {"hour": 9, "minute": 37}
